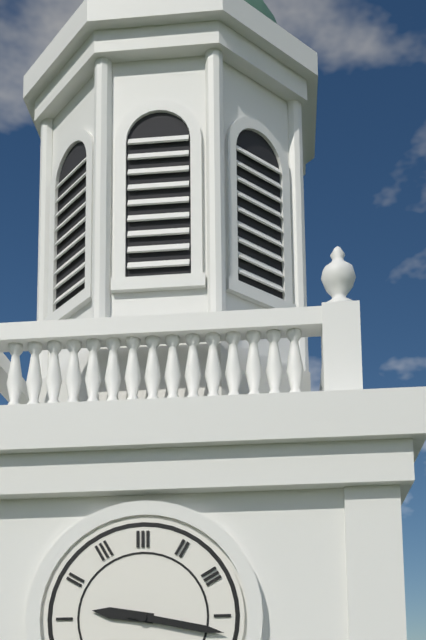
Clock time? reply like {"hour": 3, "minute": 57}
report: {"hour": 9, "minute": 17}
